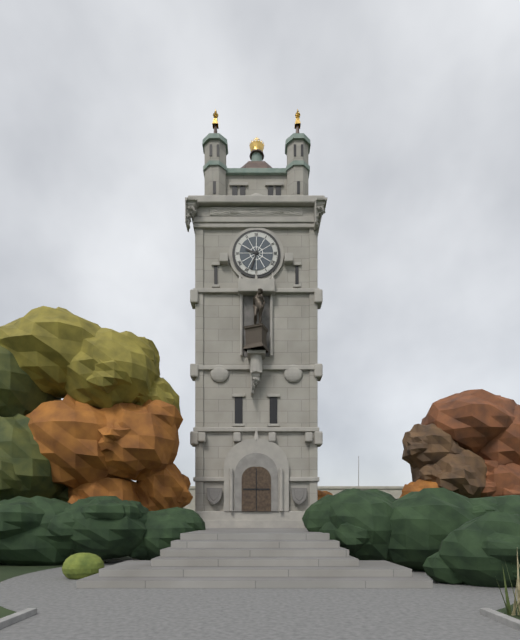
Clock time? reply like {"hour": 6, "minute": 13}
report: {"hour": 9, "minute": 33}
